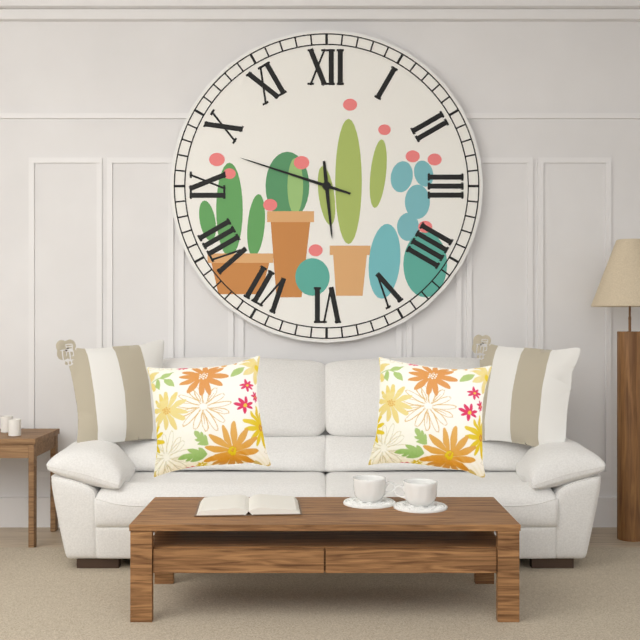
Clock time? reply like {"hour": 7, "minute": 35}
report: {"hour": 5, "minute": 48}
